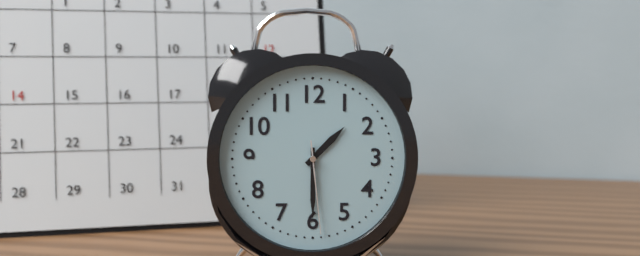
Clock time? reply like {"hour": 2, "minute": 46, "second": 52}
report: {"hour": 1, "minute": 30, "second": 29}
